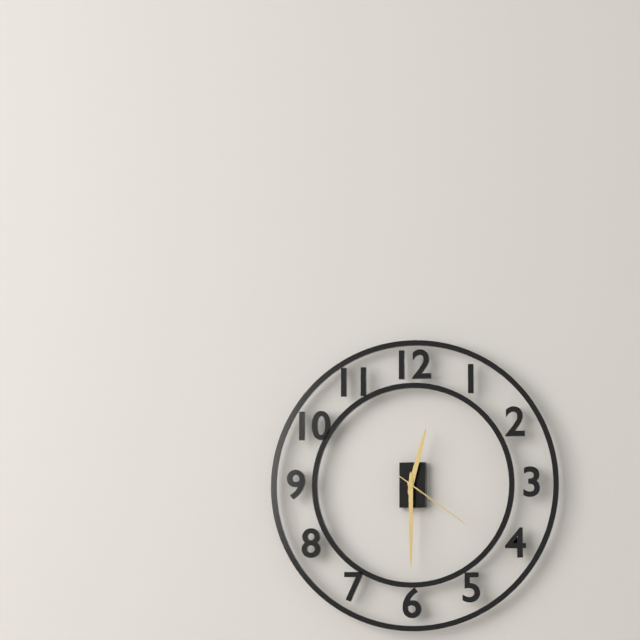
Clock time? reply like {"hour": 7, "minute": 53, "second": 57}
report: {"hour": 12, "minute": 30, "second": 21}
